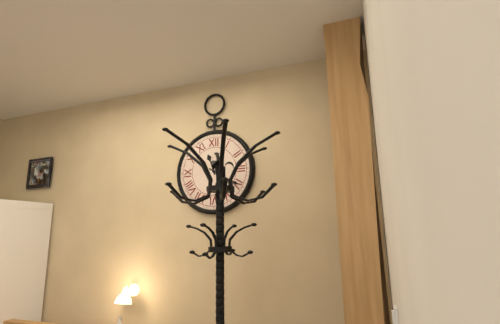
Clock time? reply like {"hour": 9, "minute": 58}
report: {"hour": 11, "minute": 20}
